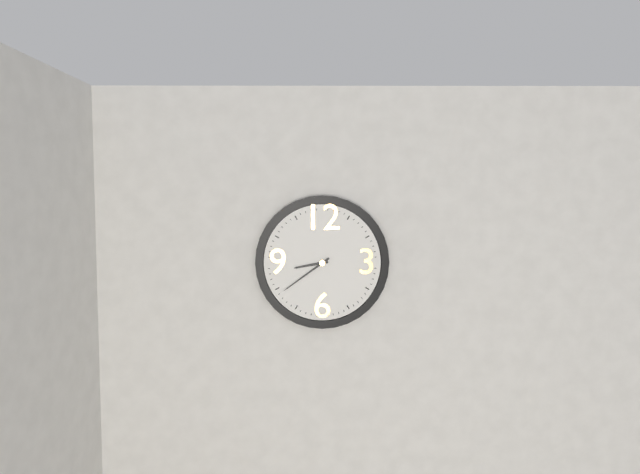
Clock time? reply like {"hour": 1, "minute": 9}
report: {"hour": 8, "minute": 39}
